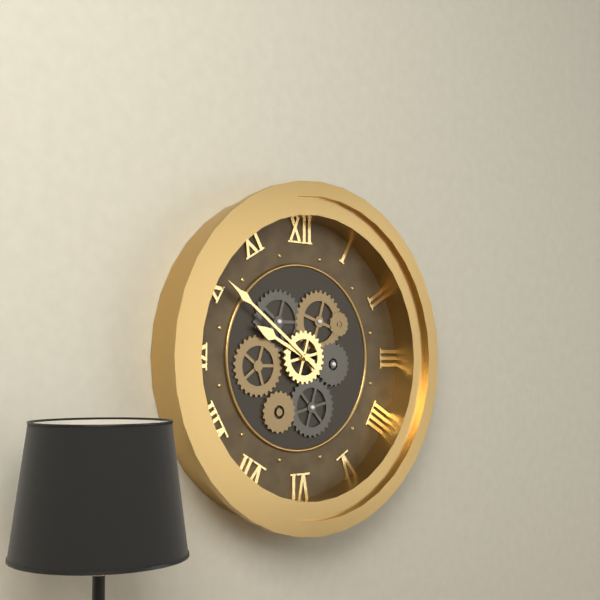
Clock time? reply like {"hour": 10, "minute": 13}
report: {"hour": 9, "minute": 51}
